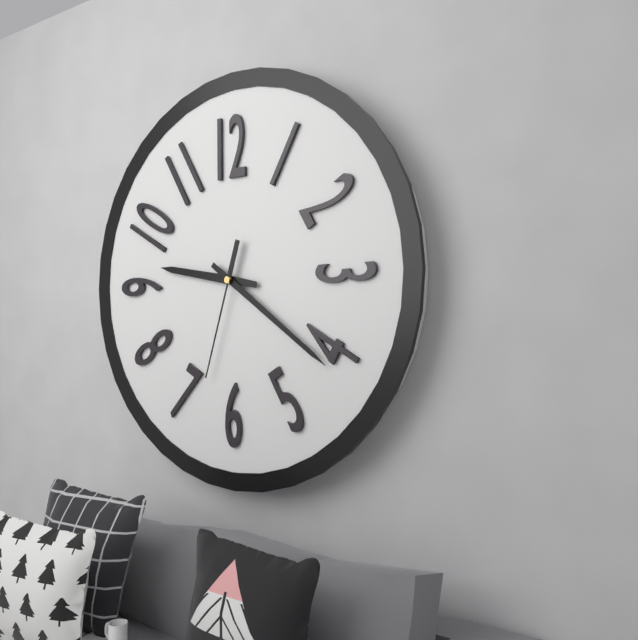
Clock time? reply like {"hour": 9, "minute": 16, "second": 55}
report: {"hour": 9, "minute": 21, "second": 33}
